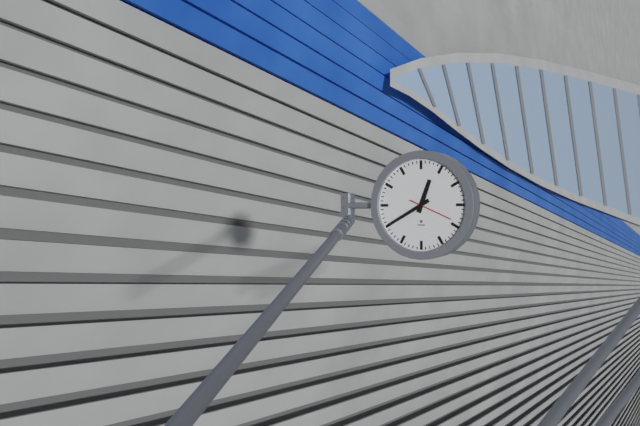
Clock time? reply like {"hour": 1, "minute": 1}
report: {"hour": 12, "minute": 40}
